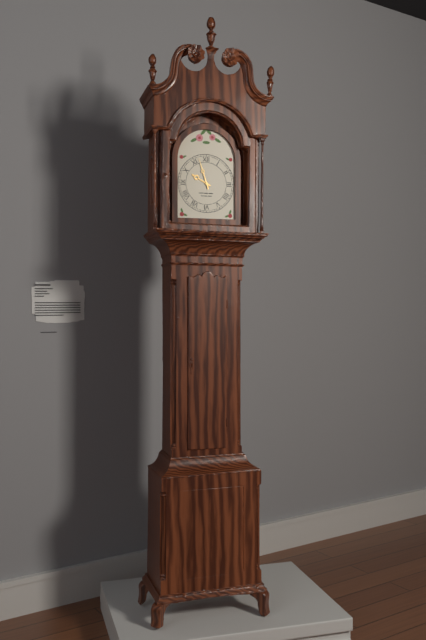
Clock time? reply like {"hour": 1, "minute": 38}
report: {"hour": 9, "minute": 57}
